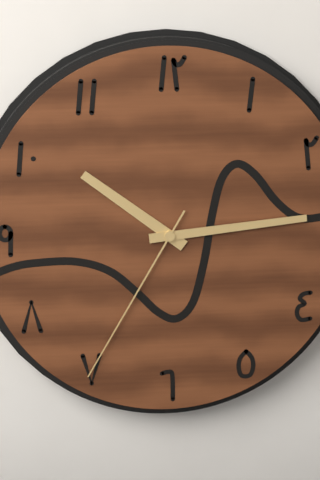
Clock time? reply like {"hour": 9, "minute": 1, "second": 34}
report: {"hour": 10, "minute": 14, "second": 35}
